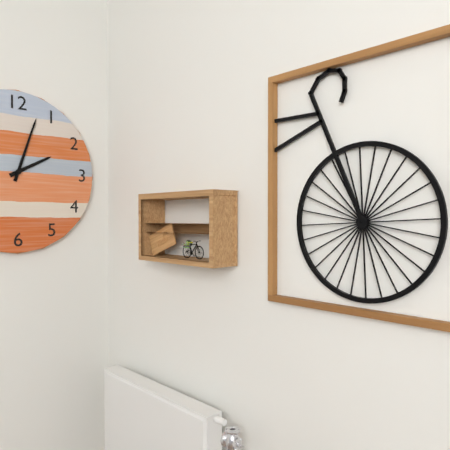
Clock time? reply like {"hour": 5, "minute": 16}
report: {"hour": 2, "minute": 3}
